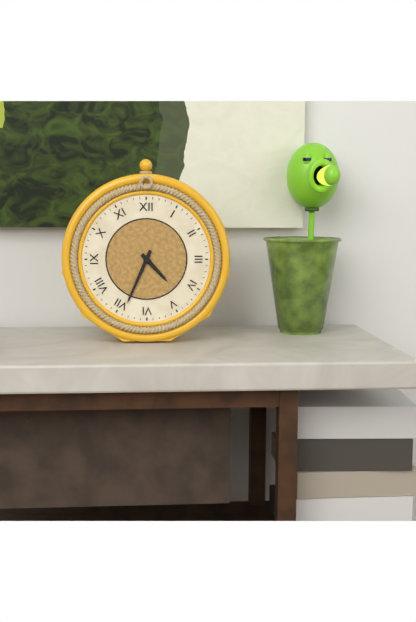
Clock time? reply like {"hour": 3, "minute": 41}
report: {"hour": 4, "minute": 34}
